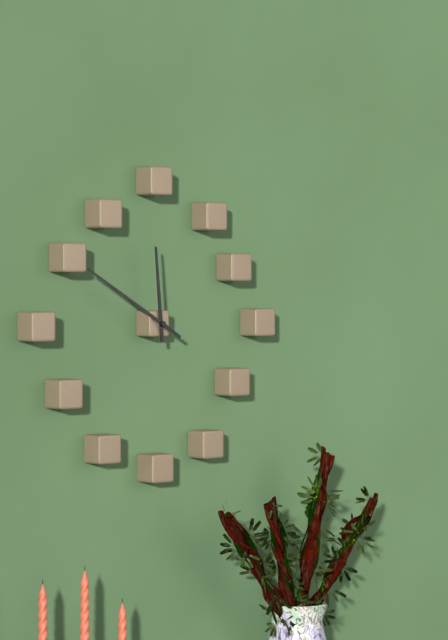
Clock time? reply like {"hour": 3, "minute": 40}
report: {"hour": 11, "minute": 50}
